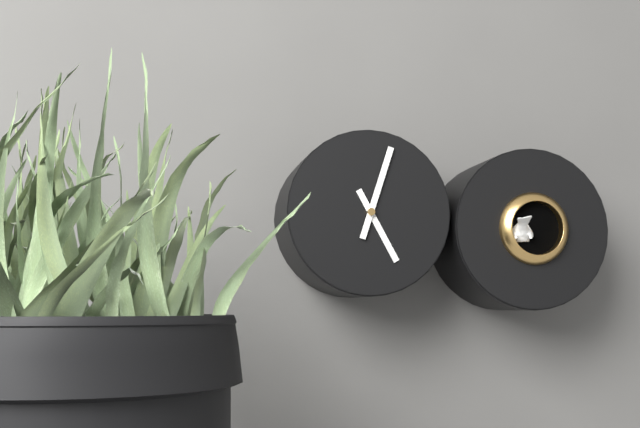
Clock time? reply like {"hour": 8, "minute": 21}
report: {"hour": 5, "minute": 3}
